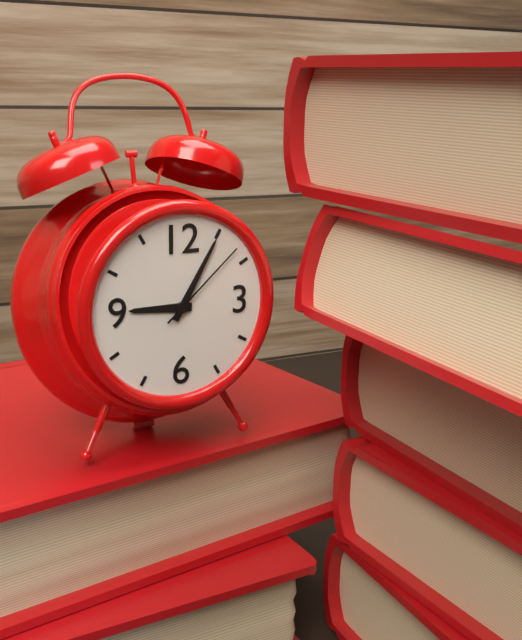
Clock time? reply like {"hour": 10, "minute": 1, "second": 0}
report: {"hour": 9, "minute": 5, "second": 8}
